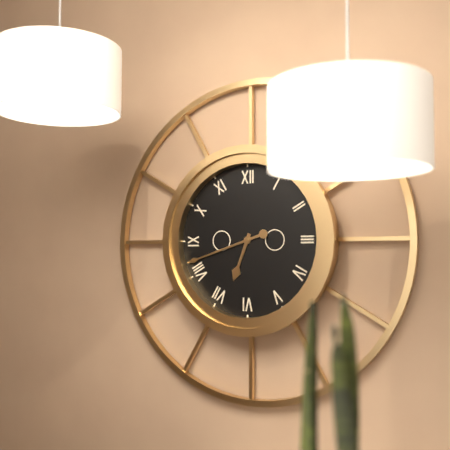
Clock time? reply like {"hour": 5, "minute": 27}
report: {"hour": 6, "minute": 42}
